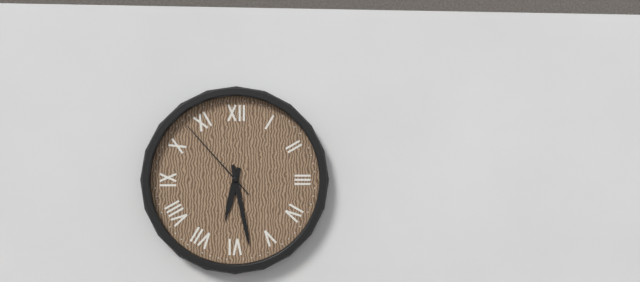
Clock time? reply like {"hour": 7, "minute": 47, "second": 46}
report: {"hour": 6, "minute": 28, "second": 53}
